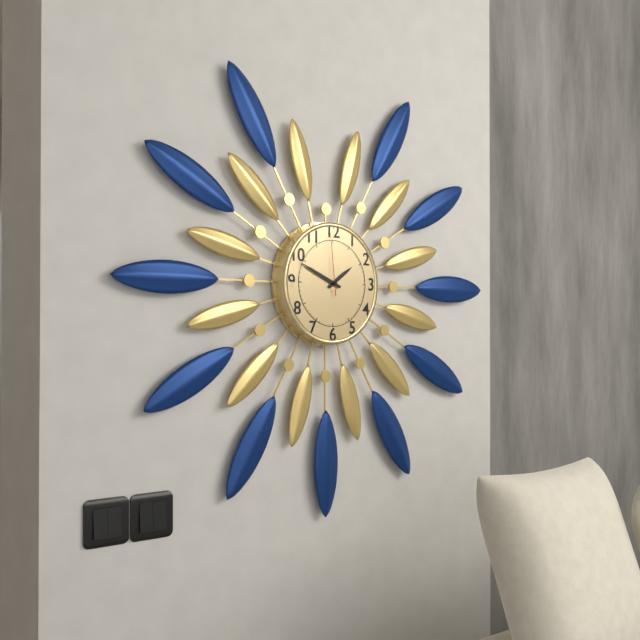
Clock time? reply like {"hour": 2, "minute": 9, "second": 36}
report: {"hour": 1, "minute": 49, "second": 59}
